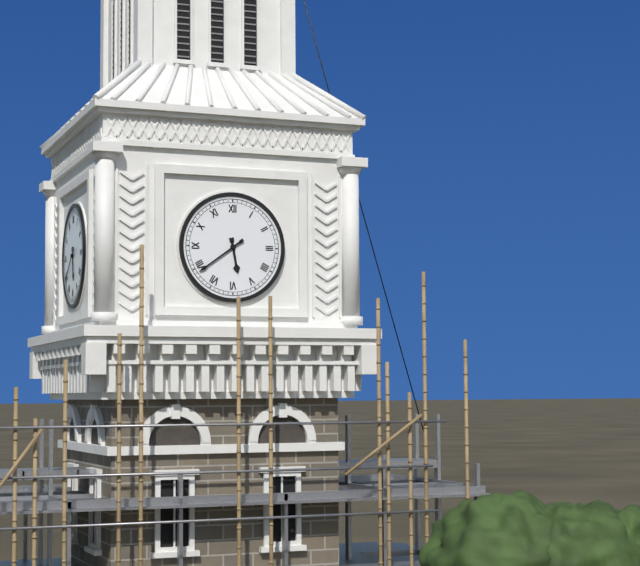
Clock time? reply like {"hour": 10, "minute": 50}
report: {"hour": 5, "minute": 39}
